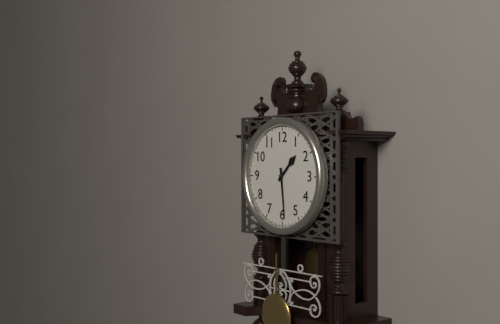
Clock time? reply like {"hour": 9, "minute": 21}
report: {"hour": 1, "minute": 29}
